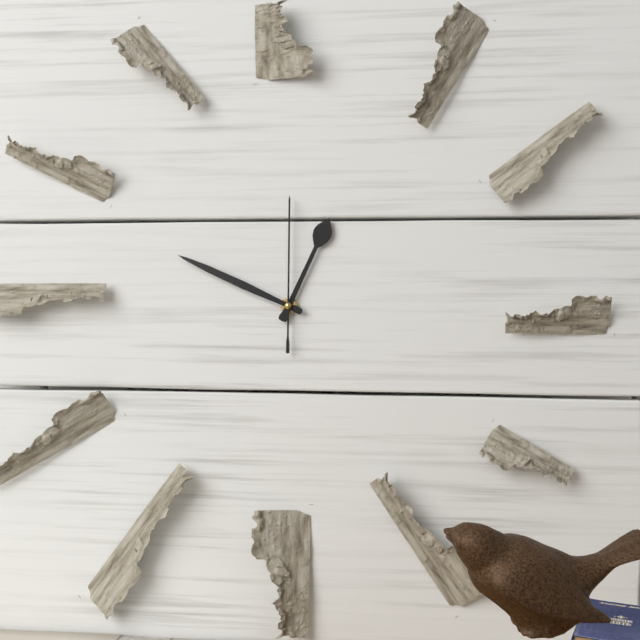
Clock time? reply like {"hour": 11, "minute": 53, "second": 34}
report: {"hour": 12, "minute": 49, "second": 0}
